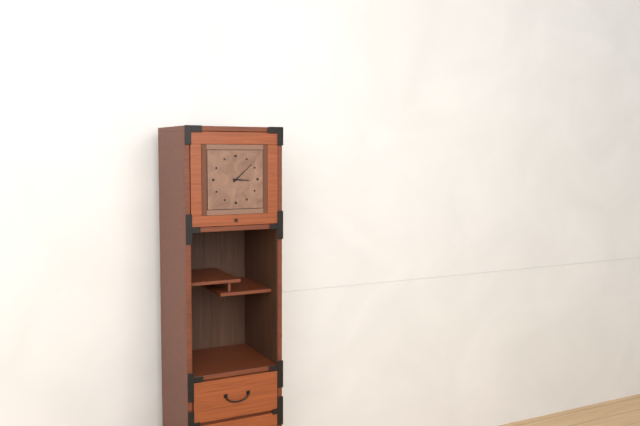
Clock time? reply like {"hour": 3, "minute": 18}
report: {"hour": 3, "minute": 8}
